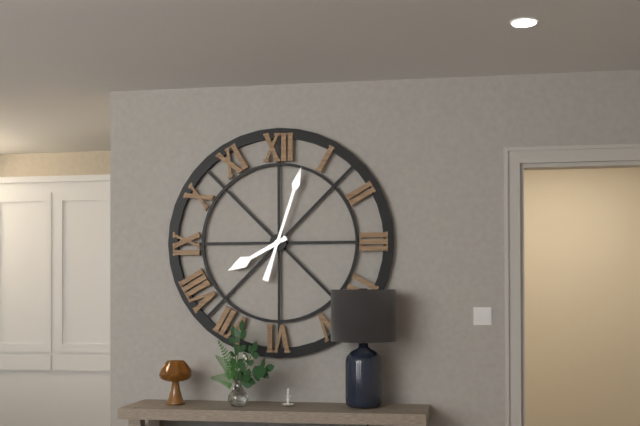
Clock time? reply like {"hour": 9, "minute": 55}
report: {"hour": 8, "minute": 3}
